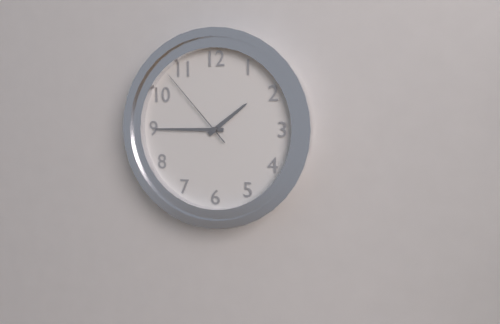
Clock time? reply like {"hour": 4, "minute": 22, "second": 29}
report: {"hour": 1, "minute": 45, "second": 53}
